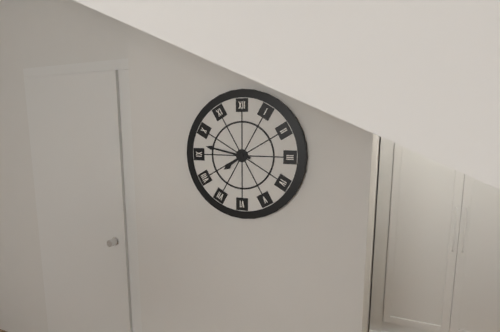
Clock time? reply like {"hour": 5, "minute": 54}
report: {"hour": 7, "minute": 47}
